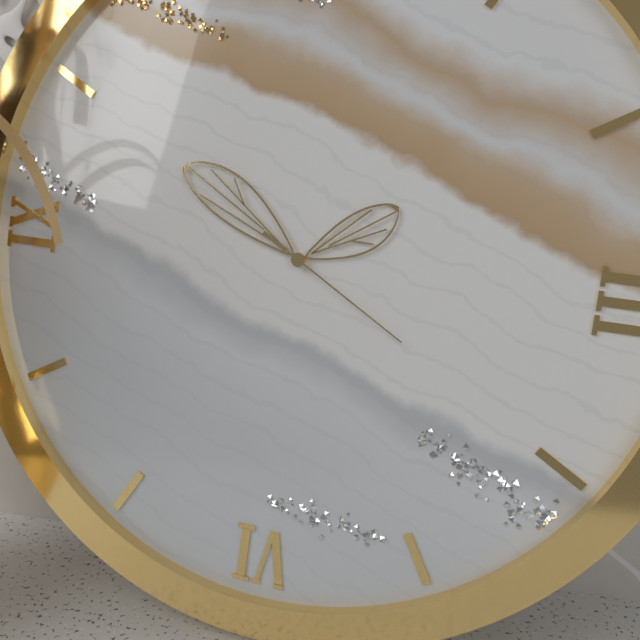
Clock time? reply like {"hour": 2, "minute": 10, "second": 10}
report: {"hour": 1, "minute": 50, "second": 20}
